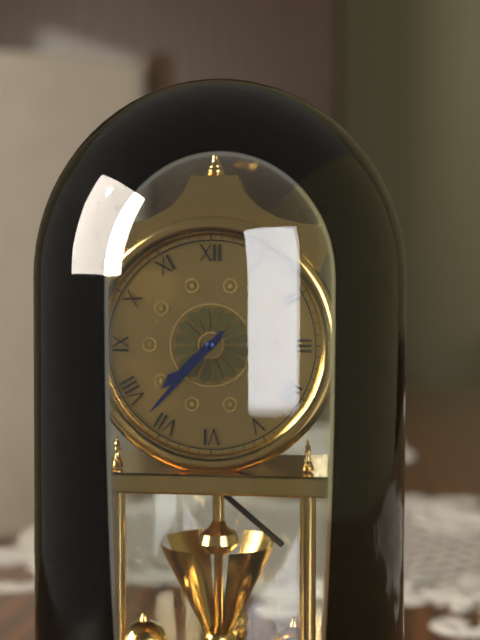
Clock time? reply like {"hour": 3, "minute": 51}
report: {"hour": 7, "minute": 37}
